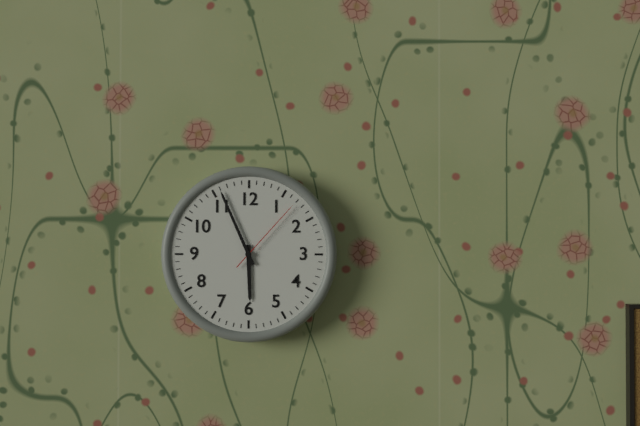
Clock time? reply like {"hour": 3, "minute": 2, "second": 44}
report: {"hour": 5, "minute": 56, "second": 7}
